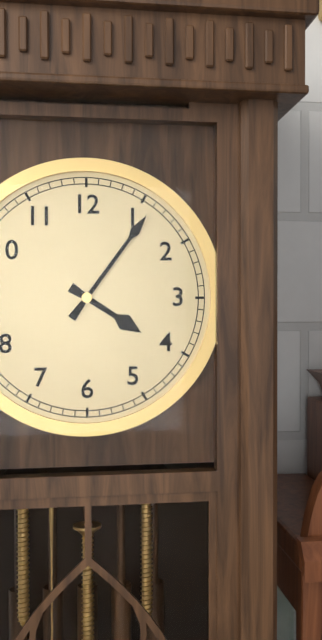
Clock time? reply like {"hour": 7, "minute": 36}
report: {"hour": 4, "minute": 6}
